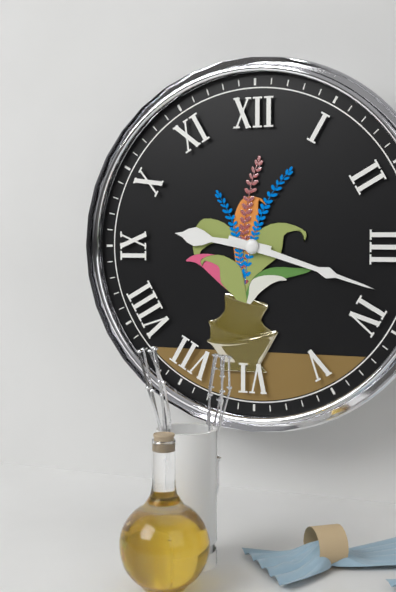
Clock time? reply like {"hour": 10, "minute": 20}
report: {"hour": 9, "minute": 18}
